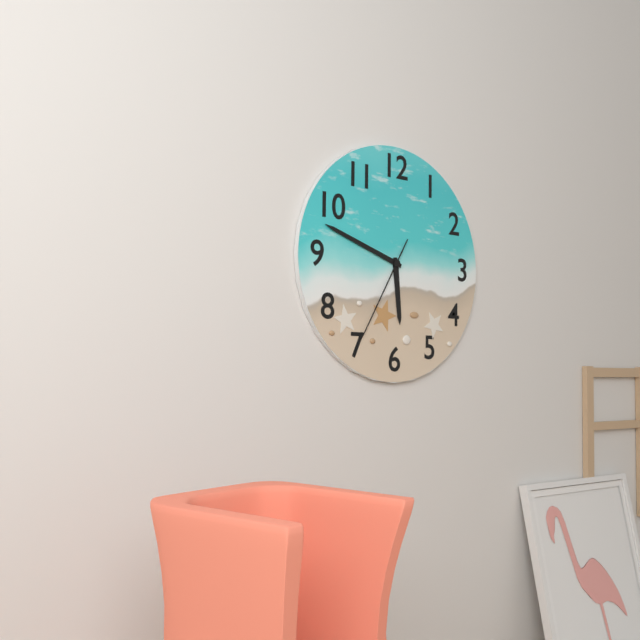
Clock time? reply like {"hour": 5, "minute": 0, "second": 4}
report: {"hour": 5, "minute": 48, "second": 35}
